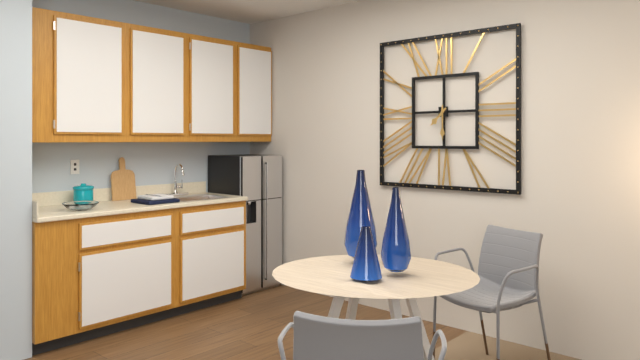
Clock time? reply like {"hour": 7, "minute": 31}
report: {"hour": 7, "minute": 30}
